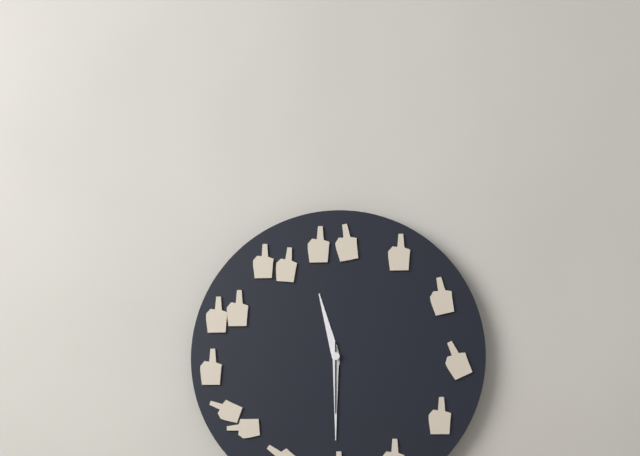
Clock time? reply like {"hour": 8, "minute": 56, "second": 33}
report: {"hour": 11, "minute": 30, "second": 30}
